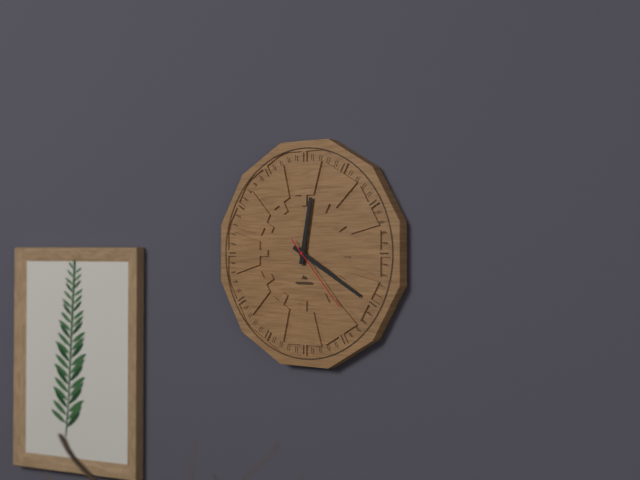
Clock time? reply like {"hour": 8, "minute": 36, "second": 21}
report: {"hour": 12, "minute": 20, "second": 23}
